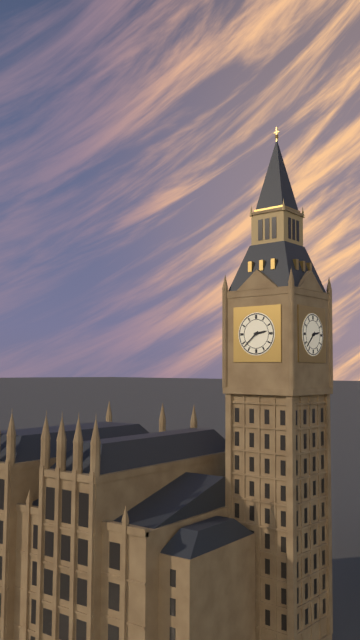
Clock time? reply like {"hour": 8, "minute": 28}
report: {"hour": 2, "minute": 38}
